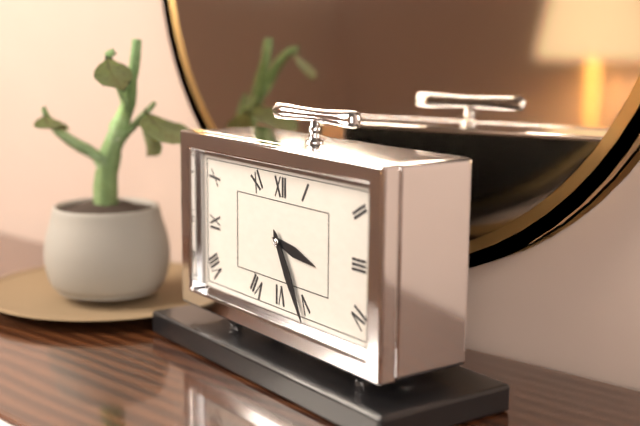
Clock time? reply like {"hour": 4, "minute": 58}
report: {"hour": 3, "minute": 25}
